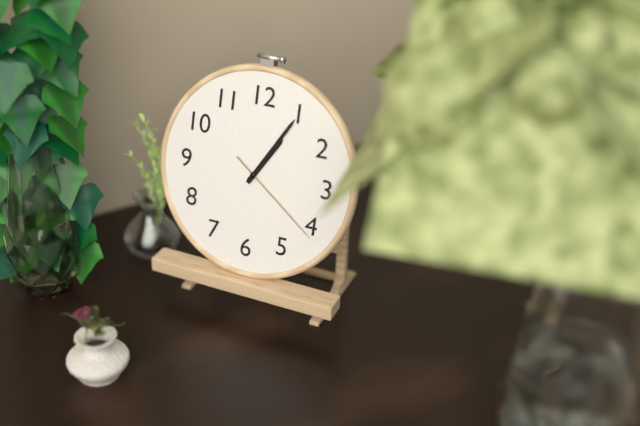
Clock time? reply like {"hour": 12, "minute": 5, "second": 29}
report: {"hour": 1, "minute": 5, "second": 21}
